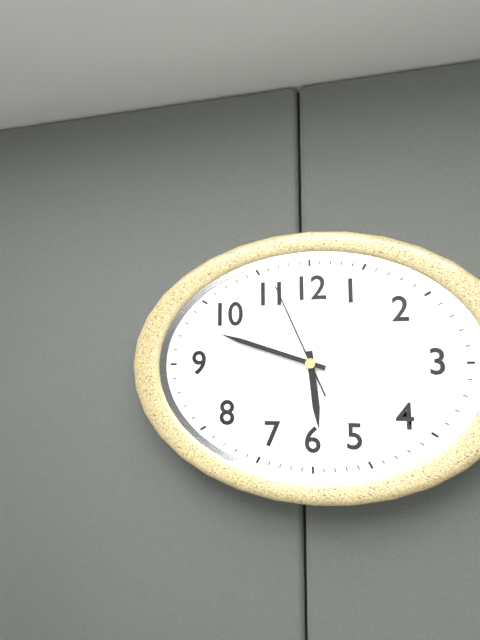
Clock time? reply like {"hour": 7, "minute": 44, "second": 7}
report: {"hour": 5, "minute": 48, "second": 56}
